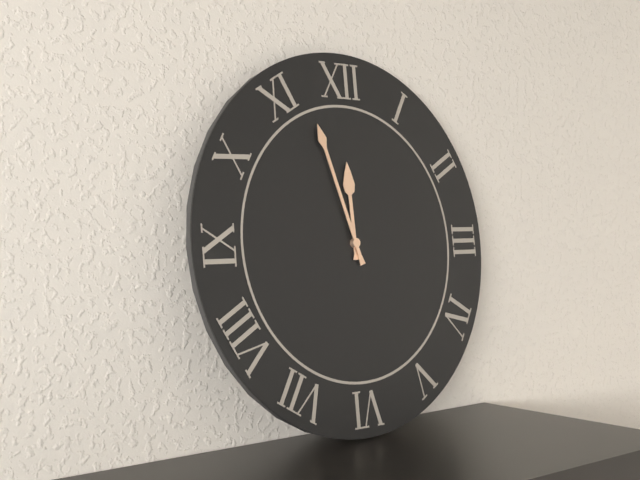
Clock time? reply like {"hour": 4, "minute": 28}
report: {"hour": 11, "minute": 57}
